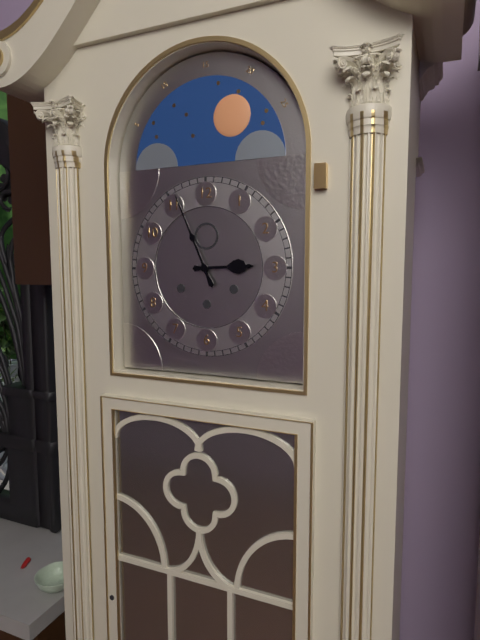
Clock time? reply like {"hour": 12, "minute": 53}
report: {"hour": 2, "minute": 56}
